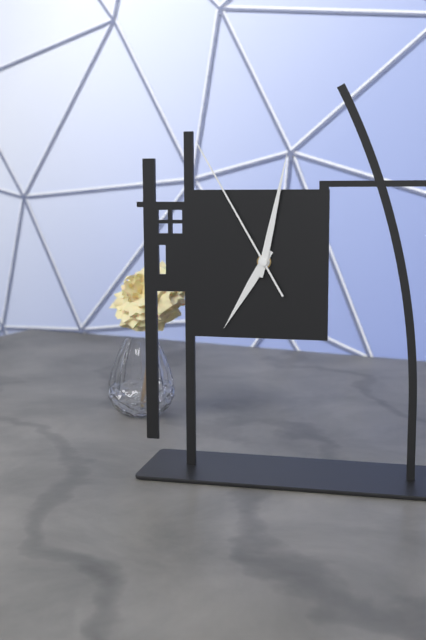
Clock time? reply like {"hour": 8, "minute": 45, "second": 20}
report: {"hour": 7, "minute": 2, "second": 55}
